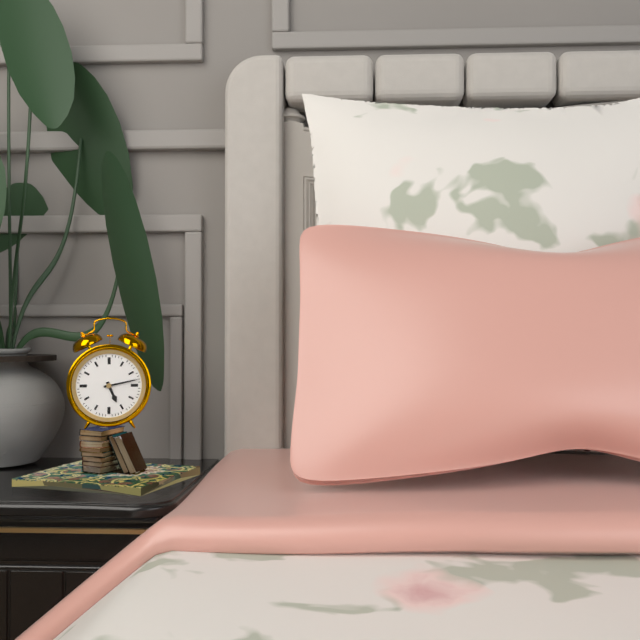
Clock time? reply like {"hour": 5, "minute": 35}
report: {"hour": 5, "minute": 13}
